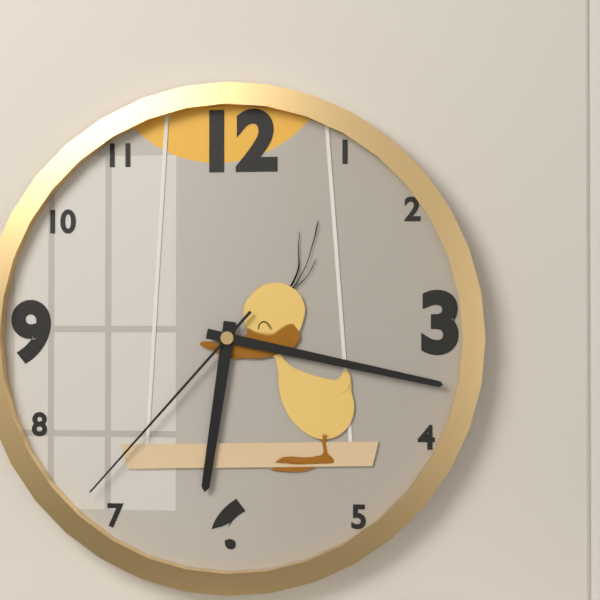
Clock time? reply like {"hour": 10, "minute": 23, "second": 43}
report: {"hour": 6, "minute": 17, "second": 37}
